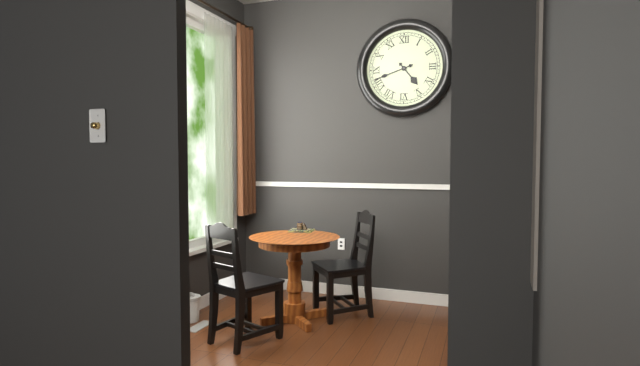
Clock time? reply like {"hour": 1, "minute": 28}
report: {"hour": 4, "minute": 42}
